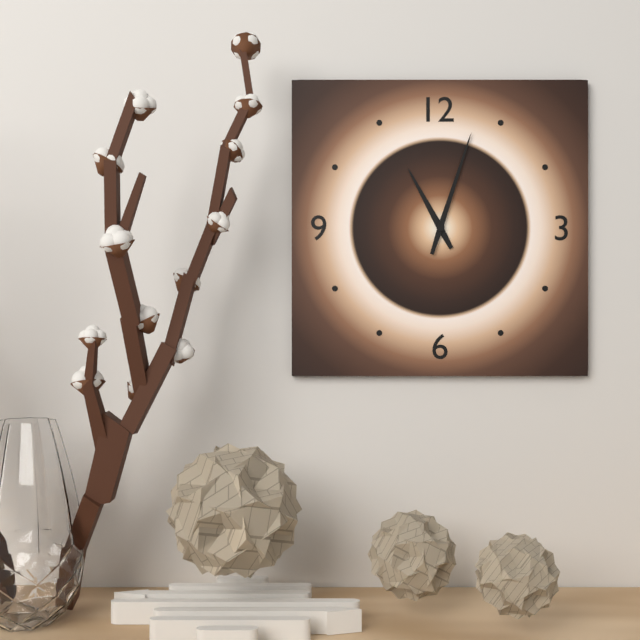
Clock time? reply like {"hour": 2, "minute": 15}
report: {"hour": 11, "minute": 3}
